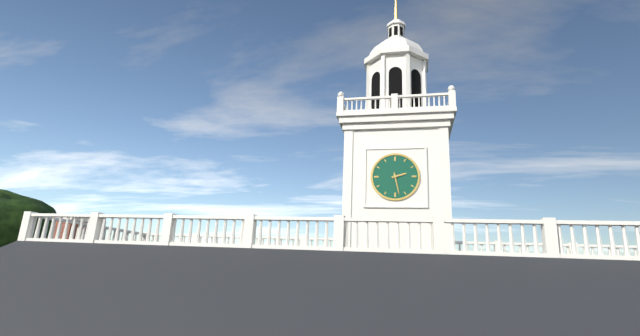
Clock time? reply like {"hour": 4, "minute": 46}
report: {"hour": 2, "minute": 28}
